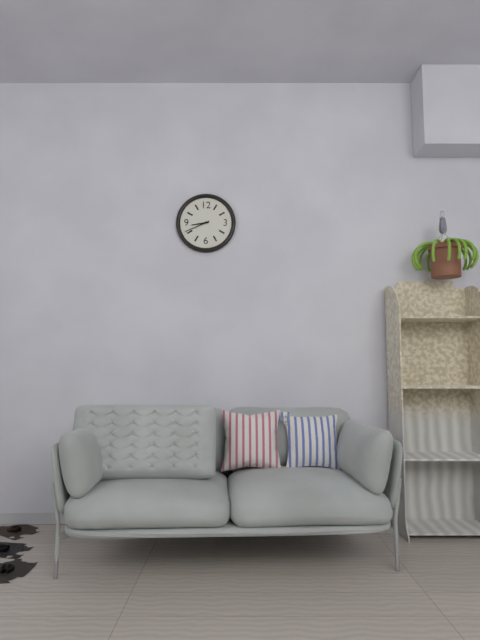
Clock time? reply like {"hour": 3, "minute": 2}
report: {"hour": 8, "minute": 41}
